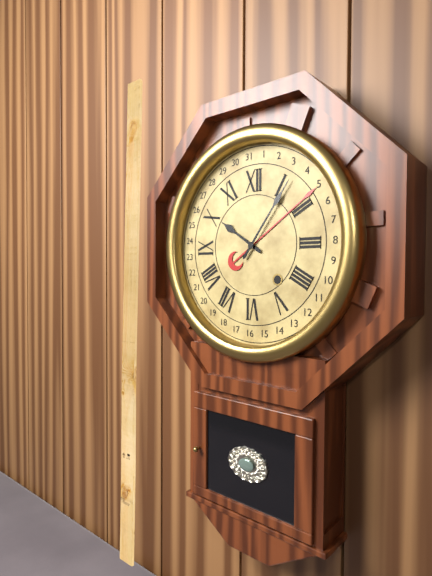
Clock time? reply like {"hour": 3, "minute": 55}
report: {"hour": 10, "minute": 6}
